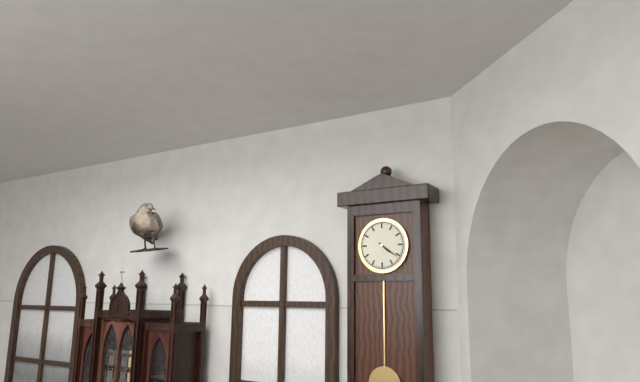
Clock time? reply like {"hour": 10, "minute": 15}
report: {"hour": 4, "minute": 21}
